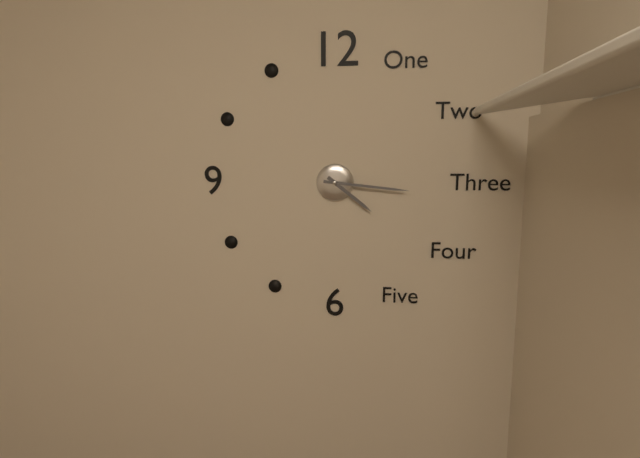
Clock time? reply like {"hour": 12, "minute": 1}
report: {"hour": 4, "minute": 16}
